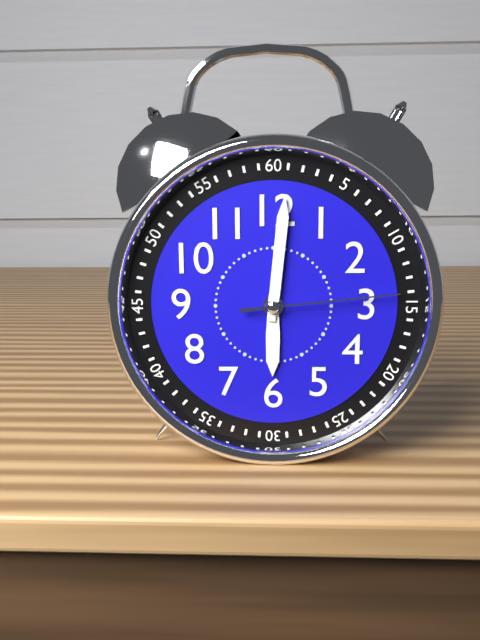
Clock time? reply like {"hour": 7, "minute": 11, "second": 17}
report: {"hour": 6, "minute": 1, "second": 14}
